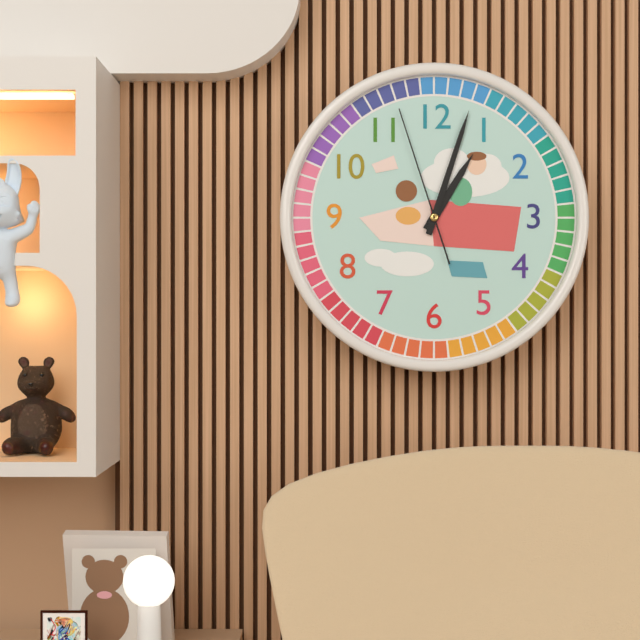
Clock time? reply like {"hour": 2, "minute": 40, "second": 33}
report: {"hour": 1, "minute": 3, "second": 57}
